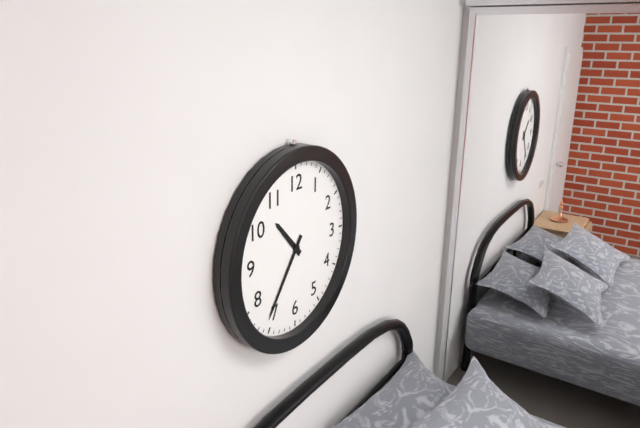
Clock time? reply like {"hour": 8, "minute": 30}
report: {"hour": 10, "minute": 36}
